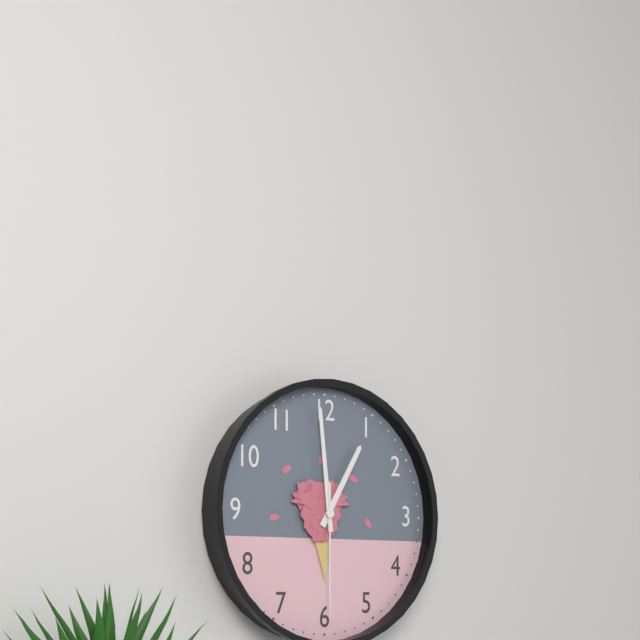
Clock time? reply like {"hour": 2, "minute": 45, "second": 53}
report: {"hour": 12, "minute": 59, "second": 30}
